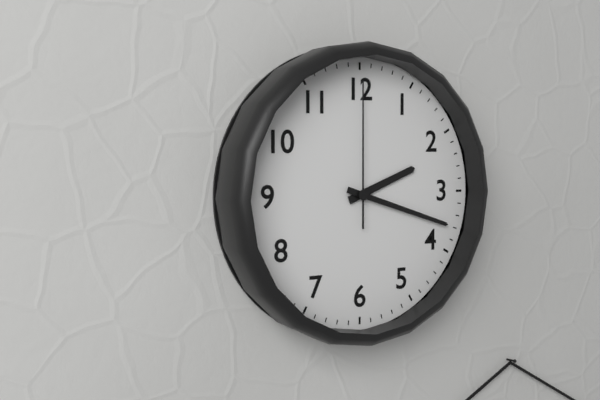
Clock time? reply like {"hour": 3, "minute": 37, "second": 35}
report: {"hour": 2, "minute": 18, "second": 0}
